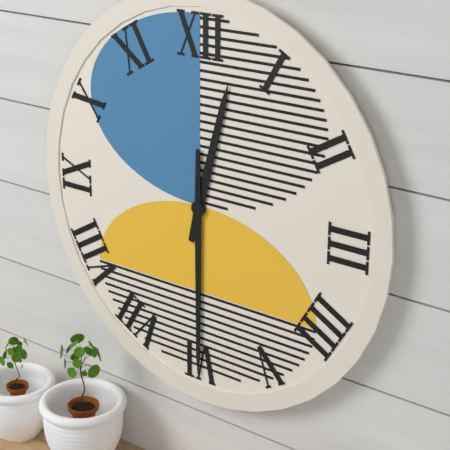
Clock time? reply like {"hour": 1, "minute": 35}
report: {"hour": 12, "minute": 30}
